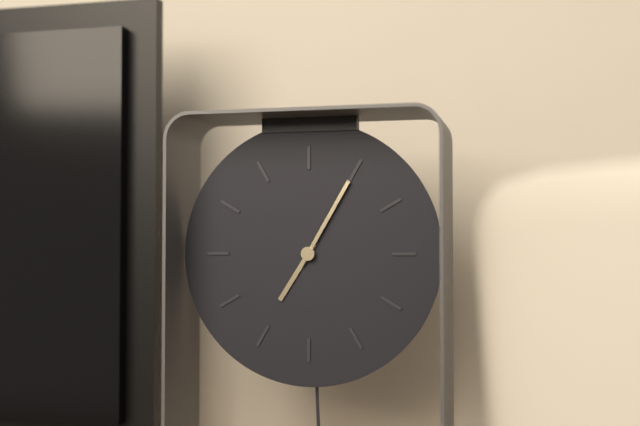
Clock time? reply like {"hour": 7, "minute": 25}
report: {"hour": 7, "minute": 5}
